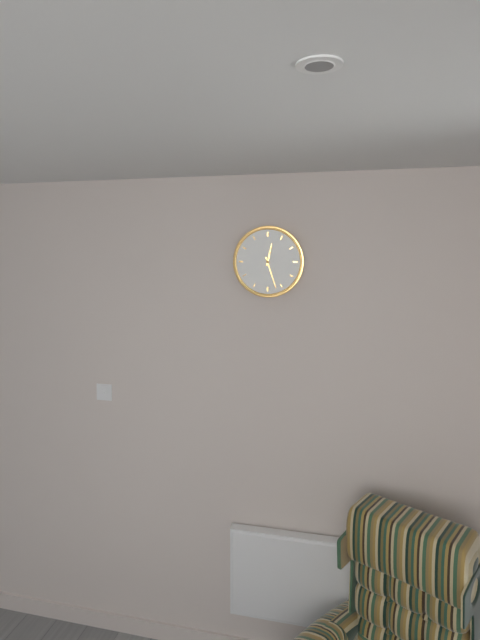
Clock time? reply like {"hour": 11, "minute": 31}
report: {"hour": 12, "minute": 27}
